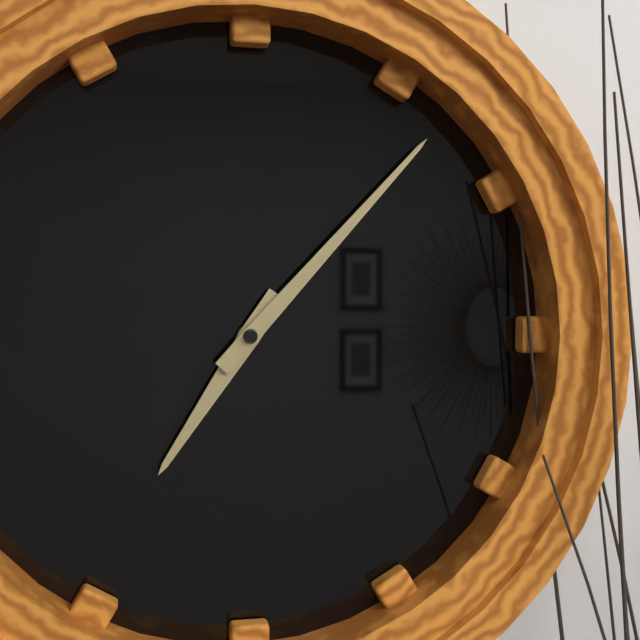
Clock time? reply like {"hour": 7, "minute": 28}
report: {"hour": 7, "minute": 7}
